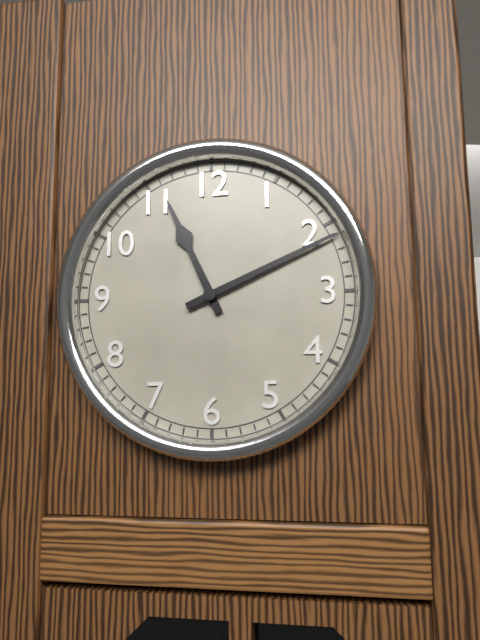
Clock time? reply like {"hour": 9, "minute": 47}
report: {"hour": 11, "minute": 11}
